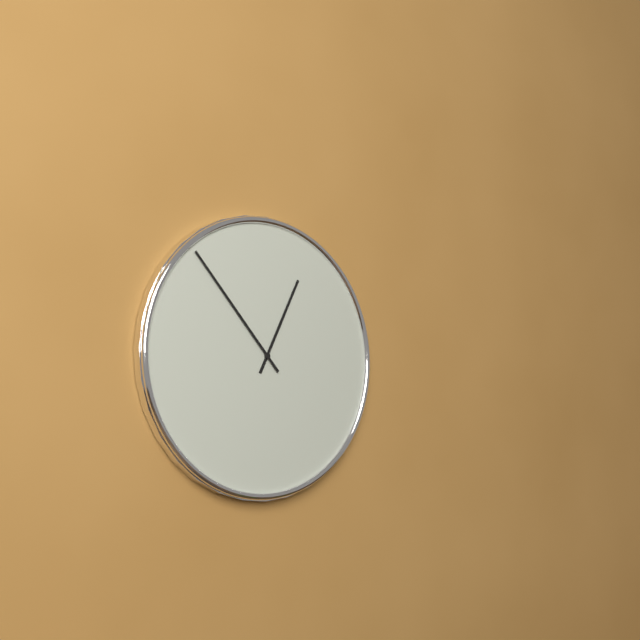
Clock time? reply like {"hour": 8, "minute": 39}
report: {"hour": 12, "minute": 53}
